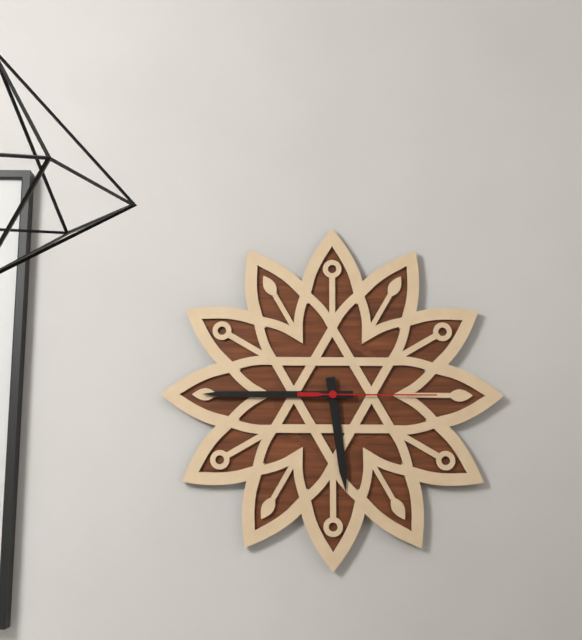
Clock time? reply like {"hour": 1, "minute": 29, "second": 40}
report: {"hour": 5, "minute": 45, "second": 15}
